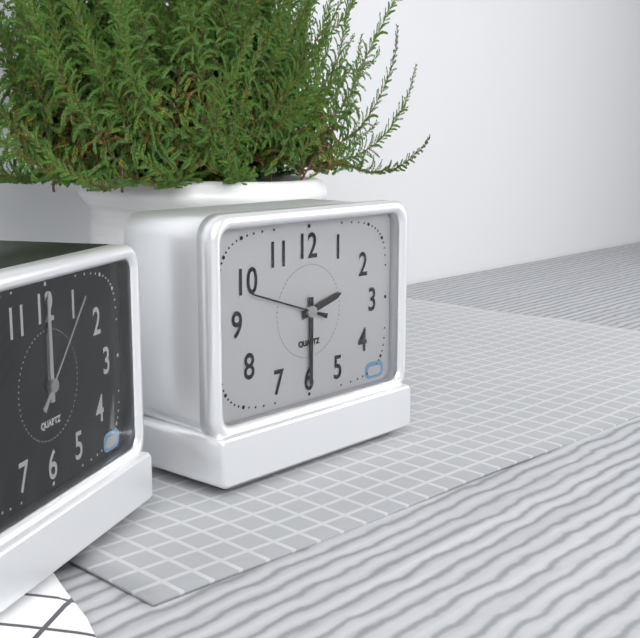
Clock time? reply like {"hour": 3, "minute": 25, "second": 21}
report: {"hour": 2, "minute": 30, "second": 48}
